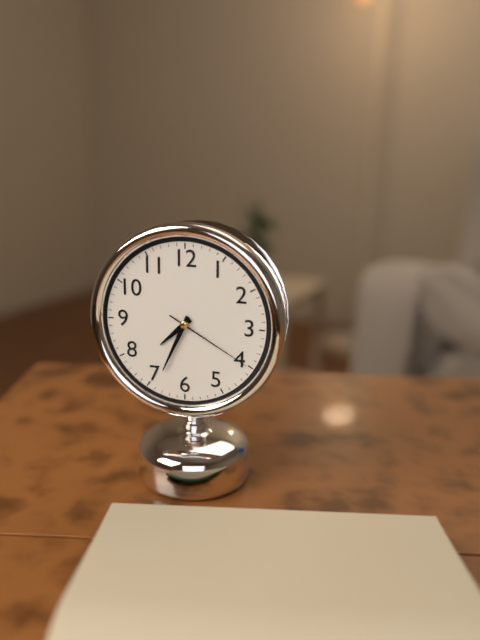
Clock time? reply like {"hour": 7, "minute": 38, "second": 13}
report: {"hour": 7, "minute": 34, "second": 20}
